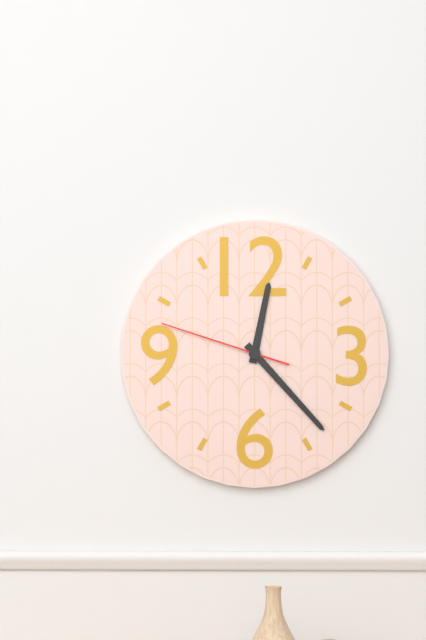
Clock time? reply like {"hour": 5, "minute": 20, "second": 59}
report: {"hour": 12, "minute": 23, "second": 48}
